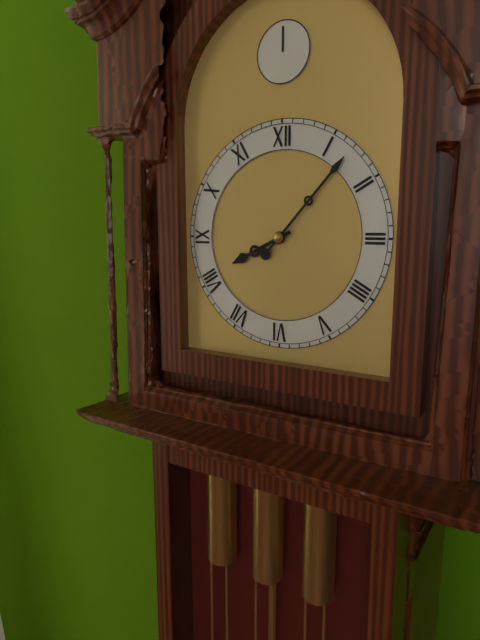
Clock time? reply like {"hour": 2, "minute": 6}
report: {"hour": 8, "minute": 7}
